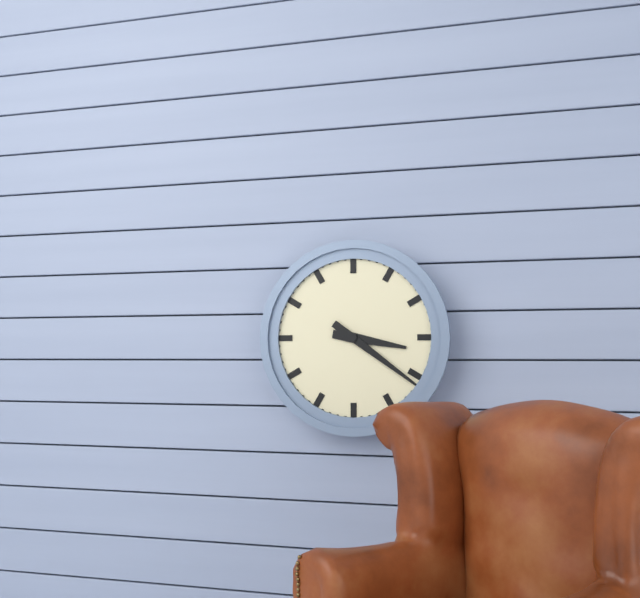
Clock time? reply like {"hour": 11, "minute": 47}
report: {"hour": 3, "minute": 21}
